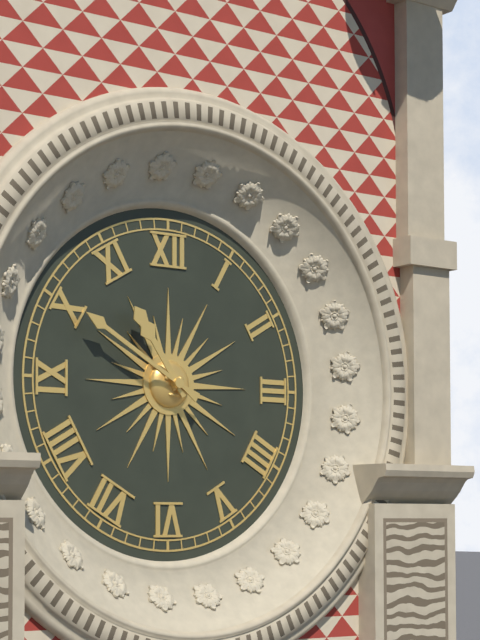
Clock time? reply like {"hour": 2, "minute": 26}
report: {"hour": 10, "minute": 50}
